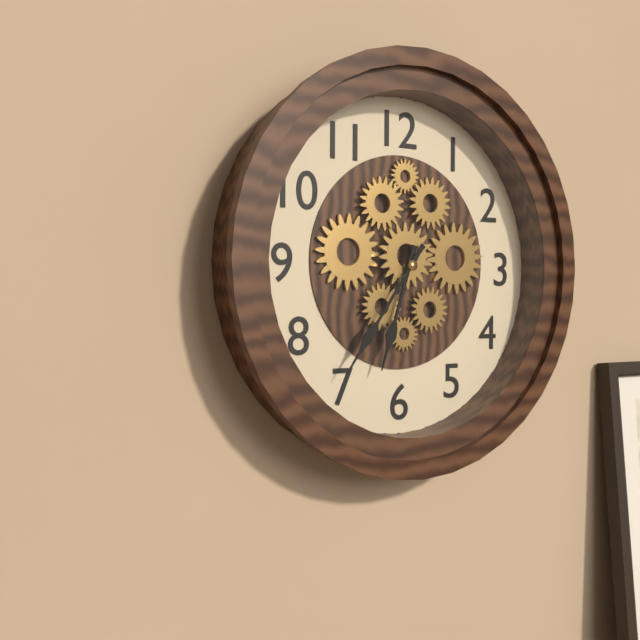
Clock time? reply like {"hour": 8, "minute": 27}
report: {"hour": 6, "minute": 36}
